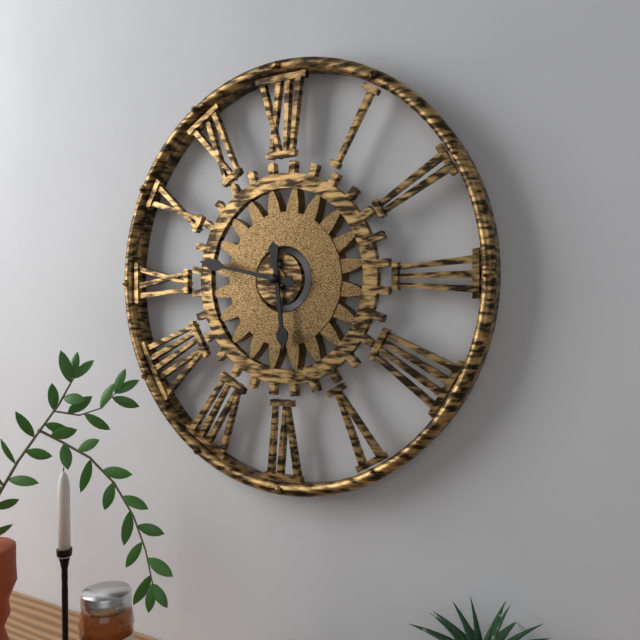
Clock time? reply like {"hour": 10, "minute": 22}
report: {"hour": 5, "minute": 47}
